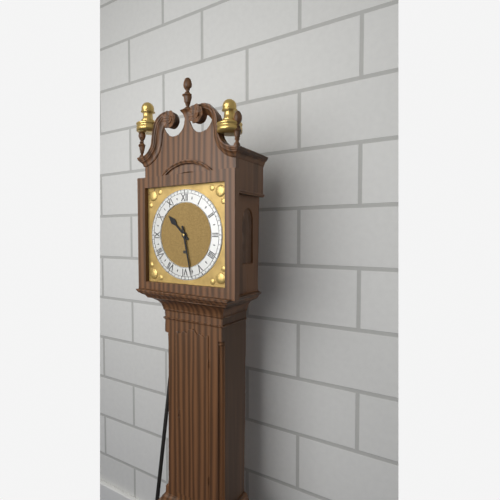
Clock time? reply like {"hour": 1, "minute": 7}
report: {"hour": 10, "minute": 28}
